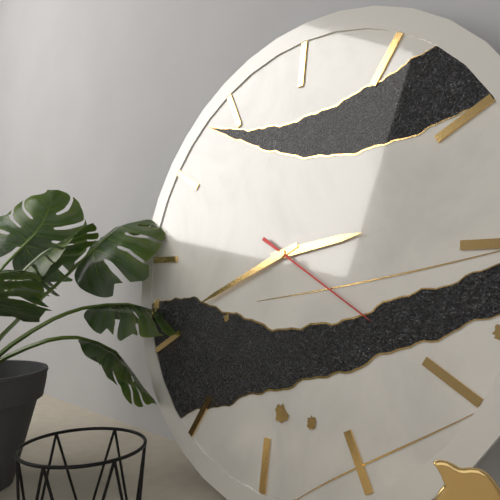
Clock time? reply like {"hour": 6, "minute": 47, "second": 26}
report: {"hour": 2, "minute": 41, "second": 20}
